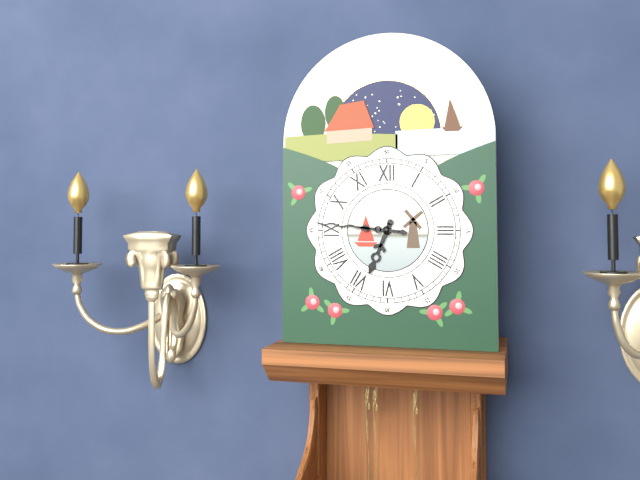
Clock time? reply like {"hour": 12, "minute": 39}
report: {"hour": 6, "minute": 46}
